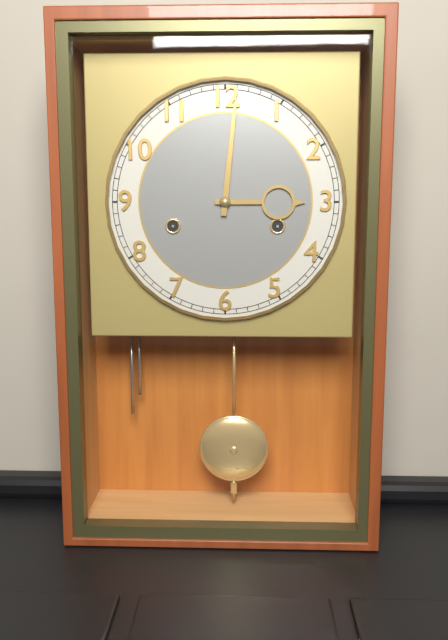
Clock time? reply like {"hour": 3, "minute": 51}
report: {"hour": 3, "minute": 1}
